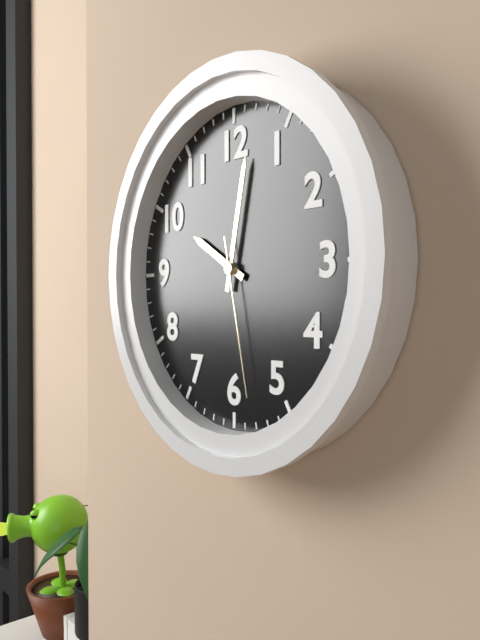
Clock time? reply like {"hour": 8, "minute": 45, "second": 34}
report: {"hour": 10, "minute": 2, "second": 28}
